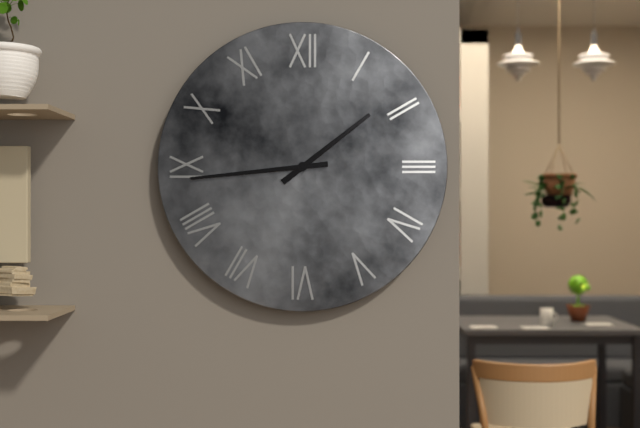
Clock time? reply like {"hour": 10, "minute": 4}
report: {"hour": 1, "minute": 44}
